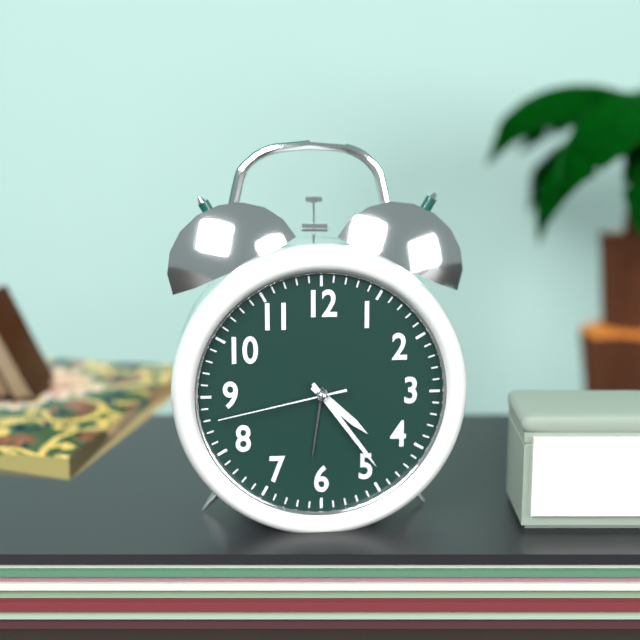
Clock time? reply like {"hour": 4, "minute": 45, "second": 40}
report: {"hour": 4, "minute": 24, "second": 43}
